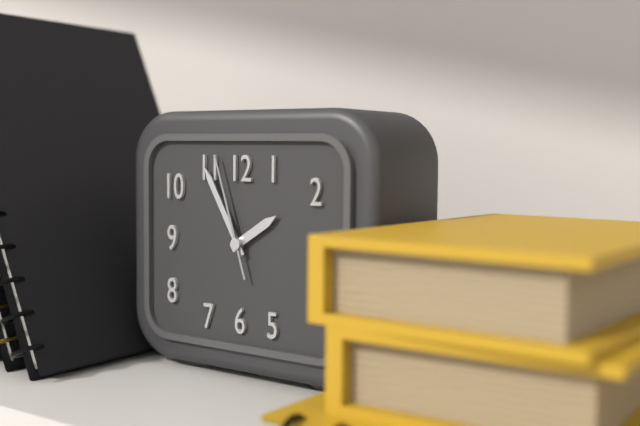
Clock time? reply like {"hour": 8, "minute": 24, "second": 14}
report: {"hour": 1, "minute": 55, "second": 57}
